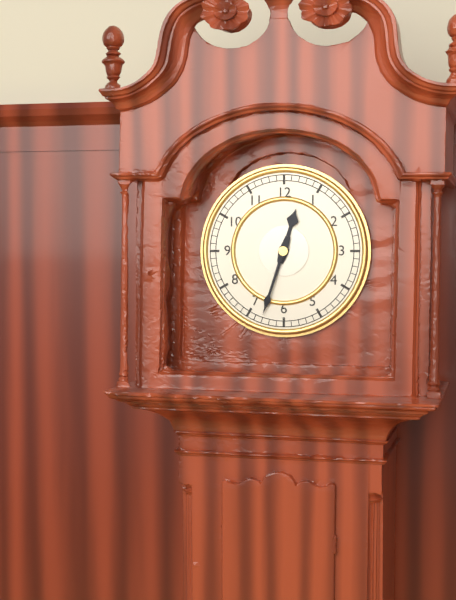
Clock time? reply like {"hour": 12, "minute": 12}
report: {"hour": 12, "minute": 33}
